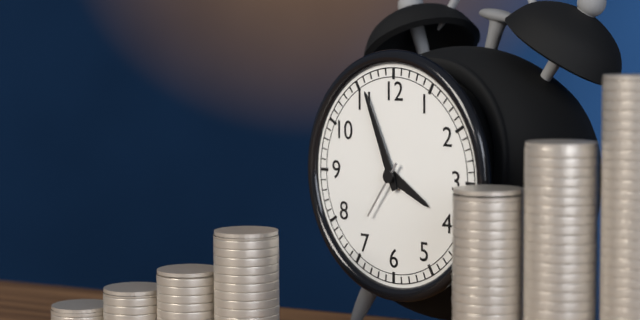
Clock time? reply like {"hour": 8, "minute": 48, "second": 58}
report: {"hour": 3, "minute": 56, "second": 36}
